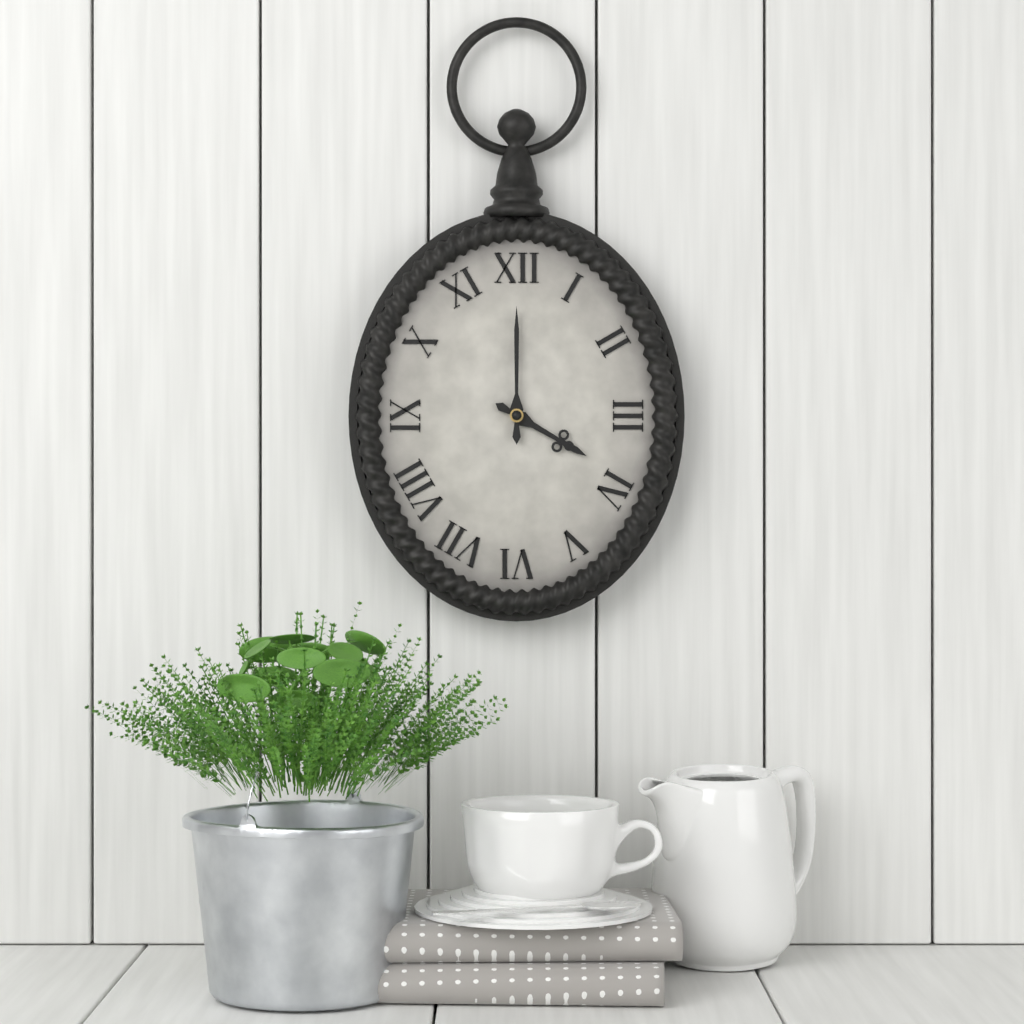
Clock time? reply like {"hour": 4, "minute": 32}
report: {"hour": 4, "minute": 0}
